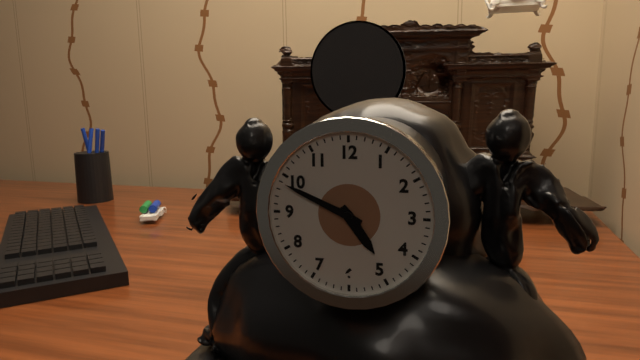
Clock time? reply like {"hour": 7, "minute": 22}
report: {"hour": 4, "minute": 49}
